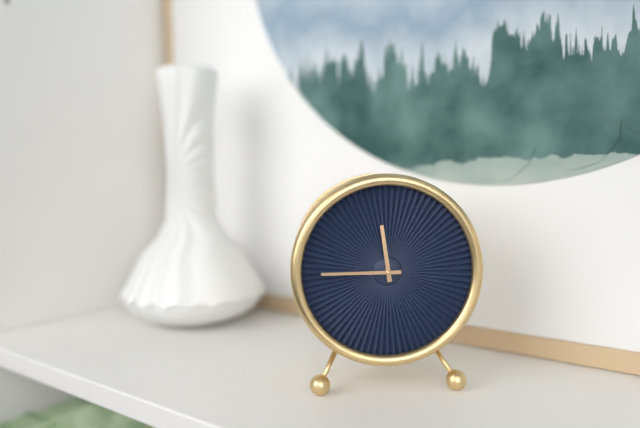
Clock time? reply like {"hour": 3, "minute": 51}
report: {"hour": 11, "minute": 45}
